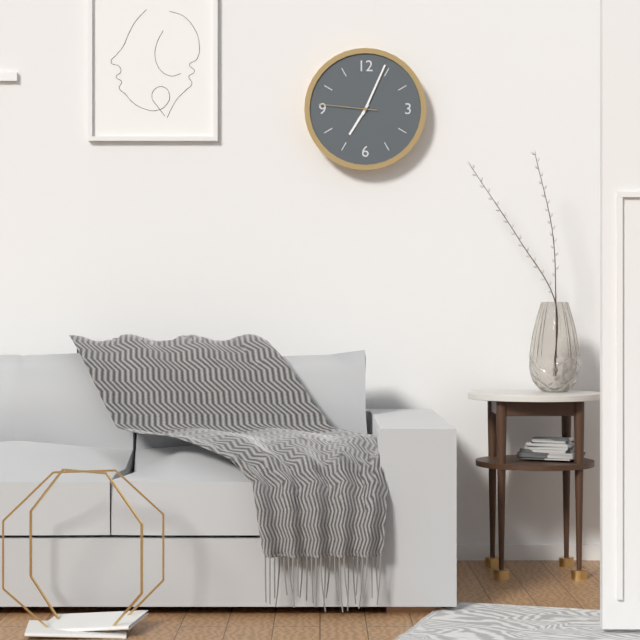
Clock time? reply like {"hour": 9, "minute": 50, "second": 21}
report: {"hour": 7, "minute": 4, "second": 46}
